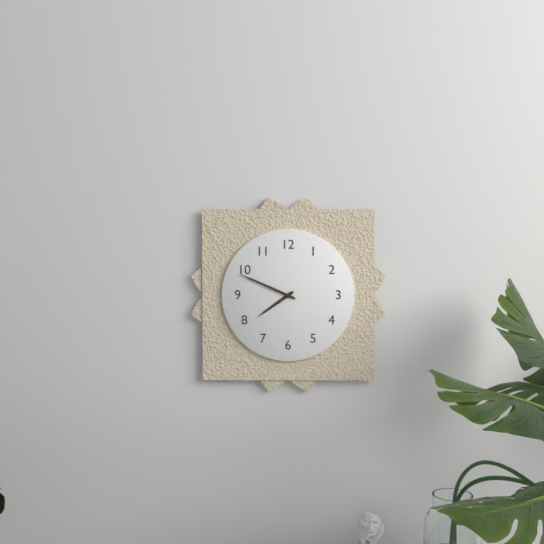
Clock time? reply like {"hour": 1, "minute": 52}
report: {"hour": 7, "minute": 49}
